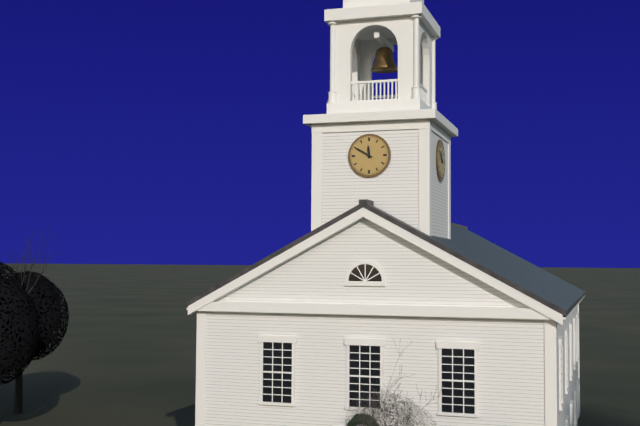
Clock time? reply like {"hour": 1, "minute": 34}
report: {"hour": 11, "minute": 50}
